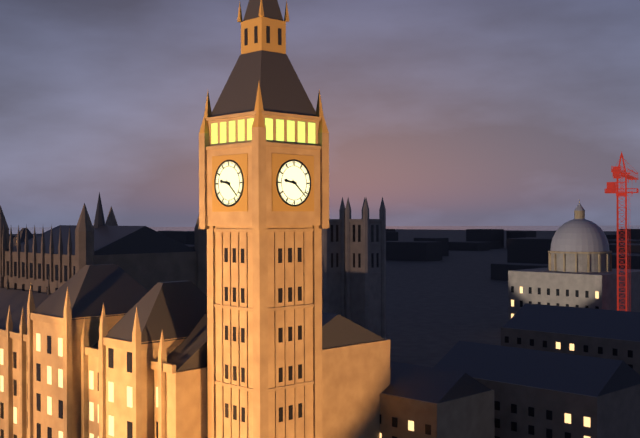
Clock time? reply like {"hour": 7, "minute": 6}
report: {"hour": 9, "minute": 22}
